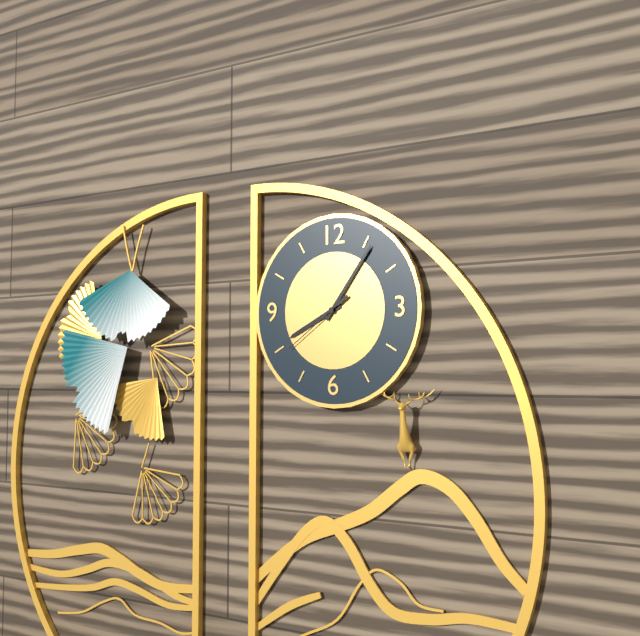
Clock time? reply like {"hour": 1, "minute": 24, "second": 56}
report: {"hour": 8, "minute": 6, "second": 39}
